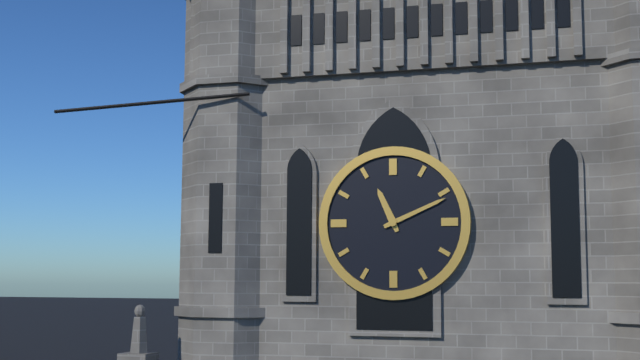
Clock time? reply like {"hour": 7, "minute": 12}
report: {"hour": 11, "minute": 11}
